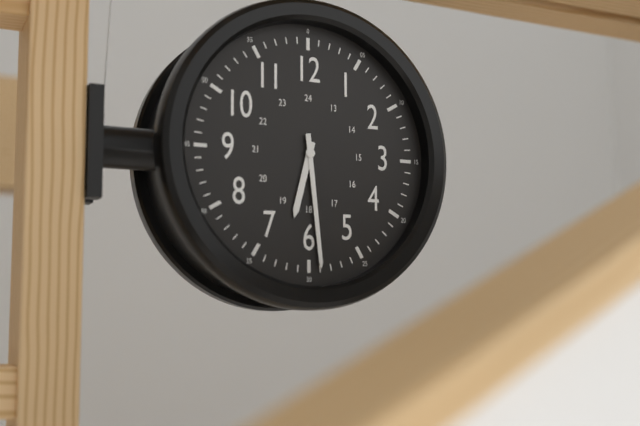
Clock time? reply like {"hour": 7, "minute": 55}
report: {"hour": 6, "minute": 29}
